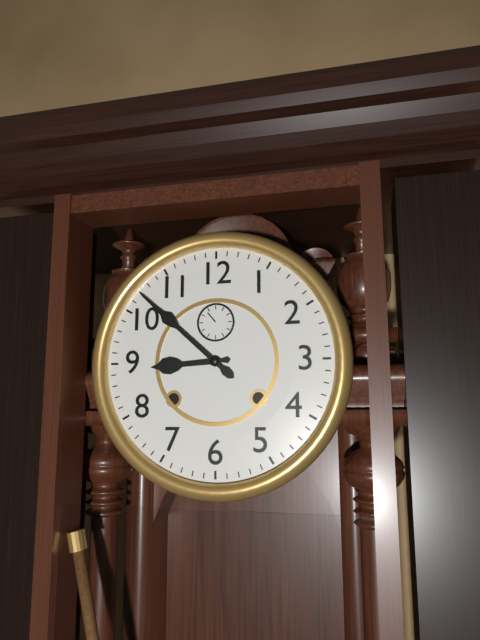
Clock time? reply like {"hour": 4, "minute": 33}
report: {"hour": 8, "minute": 52}
